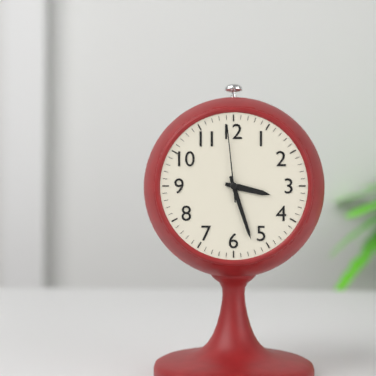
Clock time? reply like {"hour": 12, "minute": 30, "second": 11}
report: {"hour": 3, "minute": 27, "second": 59}
